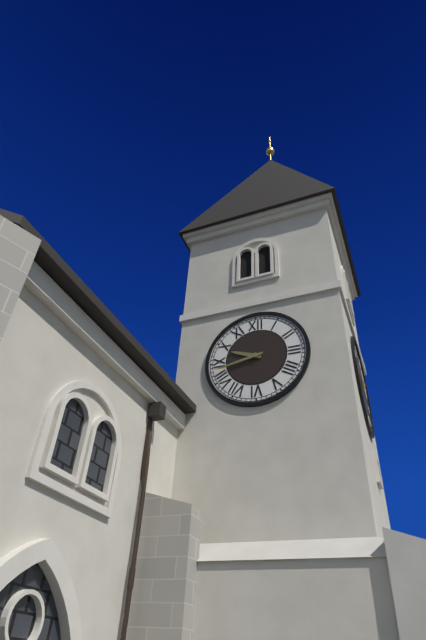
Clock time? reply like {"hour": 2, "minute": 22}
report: {"hour": 9, "minute": 43}
